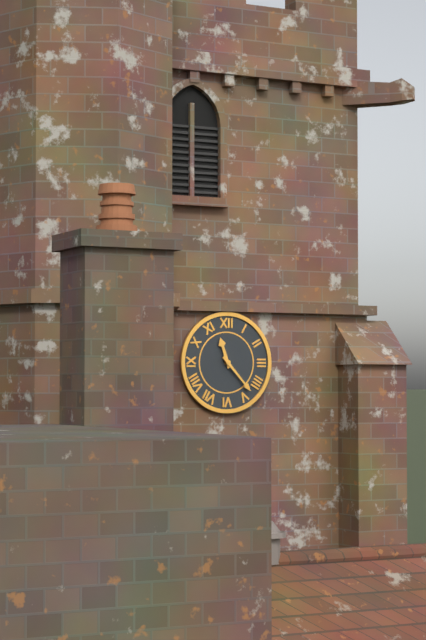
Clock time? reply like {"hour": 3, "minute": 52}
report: {"hour": 11, "minute": 23}
